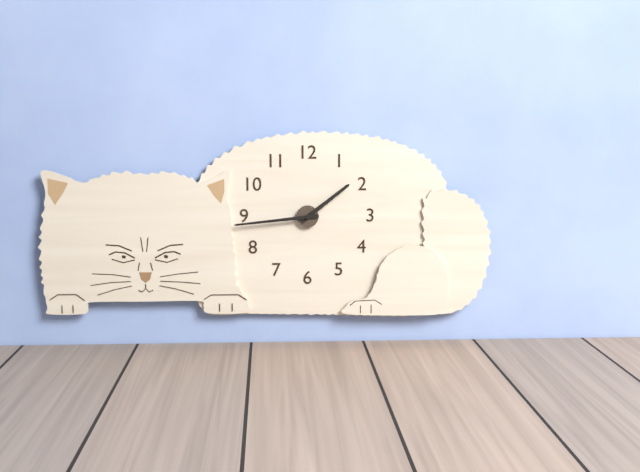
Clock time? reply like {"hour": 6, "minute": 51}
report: {"hour": 1, "minute": 44}
